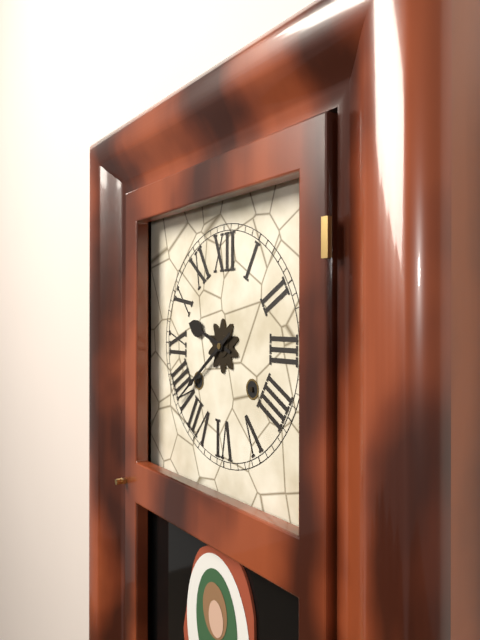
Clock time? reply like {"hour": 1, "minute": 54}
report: {"hour": 9, "minute": 39}
